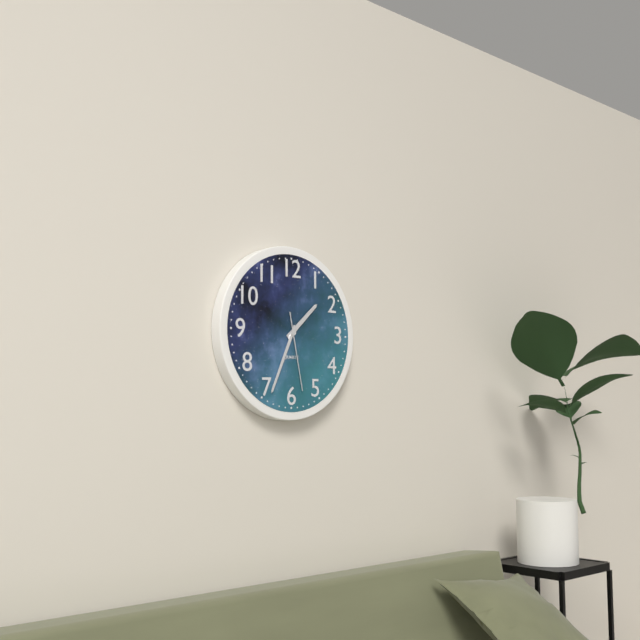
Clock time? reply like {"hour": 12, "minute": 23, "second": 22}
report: {"hour": 1, "minute": 34, "second": 28}
